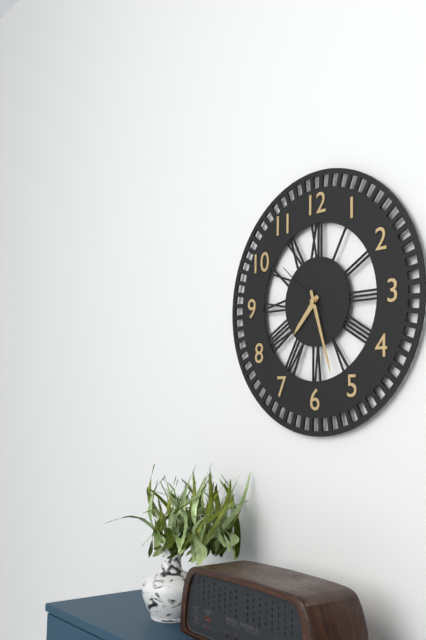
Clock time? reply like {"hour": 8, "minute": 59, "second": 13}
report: {"hour": 7, "minute": 27, "second": 52}
